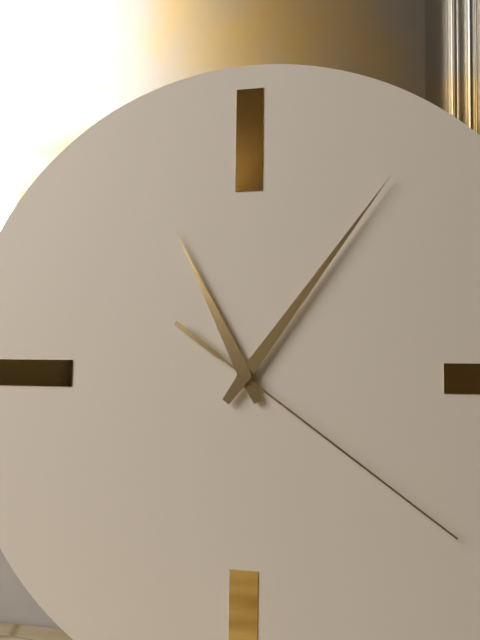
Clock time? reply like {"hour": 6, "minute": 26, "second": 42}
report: {"hour": 11, "minute": 6, "second": 21}
